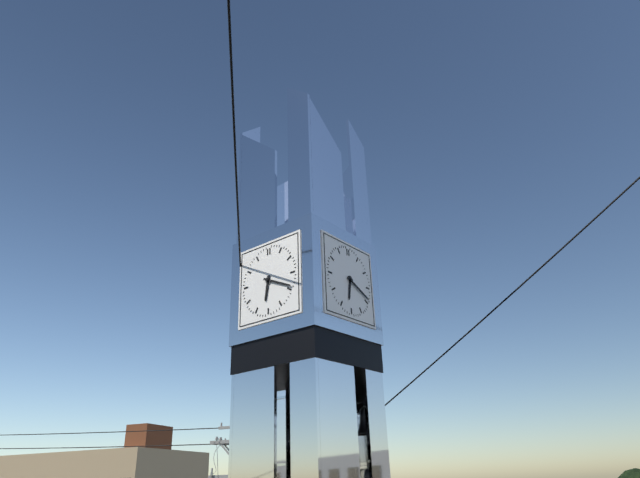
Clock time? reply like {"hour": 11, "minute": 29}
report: {"hour": 6, "minute": 19}
